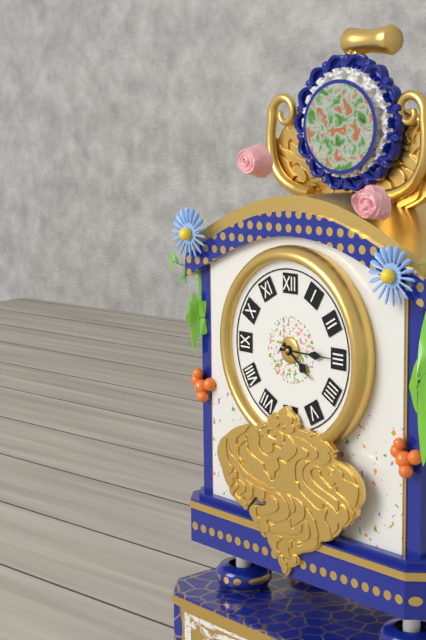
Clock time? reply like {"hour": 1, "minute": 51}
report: {"hour": 4, "minute": 15}
